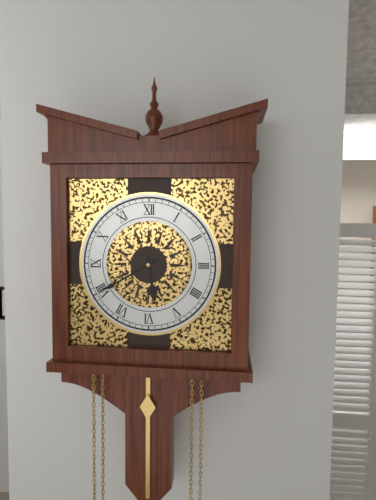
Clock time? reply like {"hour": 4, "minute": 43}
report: {"hour": 5, "minute": 40}
